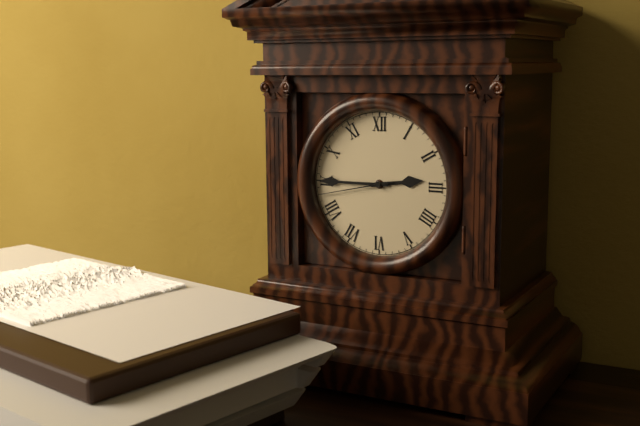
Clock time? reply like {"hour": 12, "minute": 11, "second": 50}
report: {"hour": 2, "minute": 45, "second": 43}
